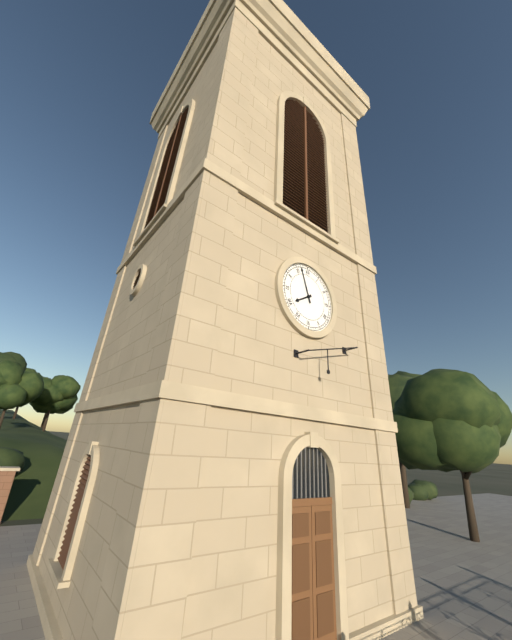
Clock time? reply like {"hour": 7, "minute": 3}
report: {"hour": 7, "minute": 57}
